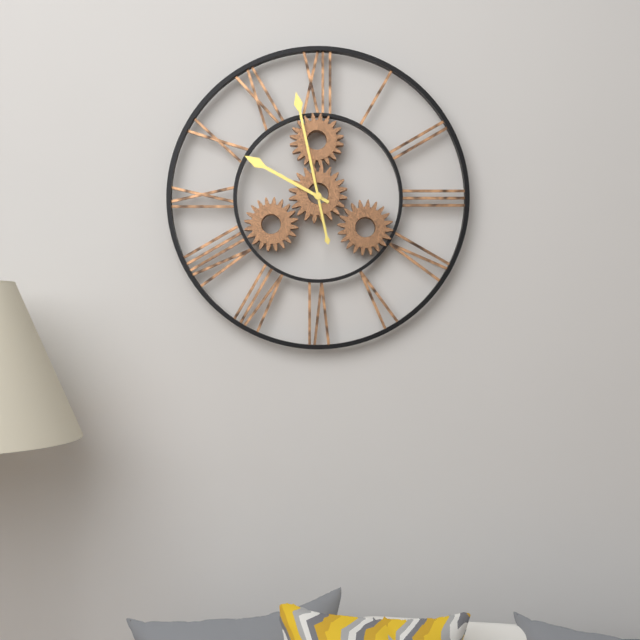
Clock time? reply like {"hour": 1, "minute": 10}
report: {"hour": 9, "minute": 58}
